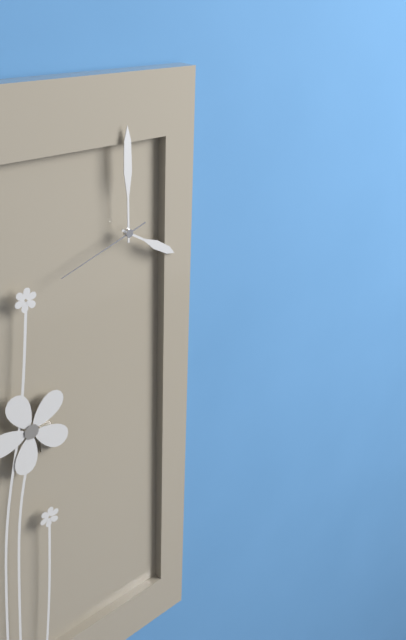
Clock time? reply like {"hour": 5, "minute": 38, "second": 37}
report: {"hour": 4, "minute": 0, "second": 42}
